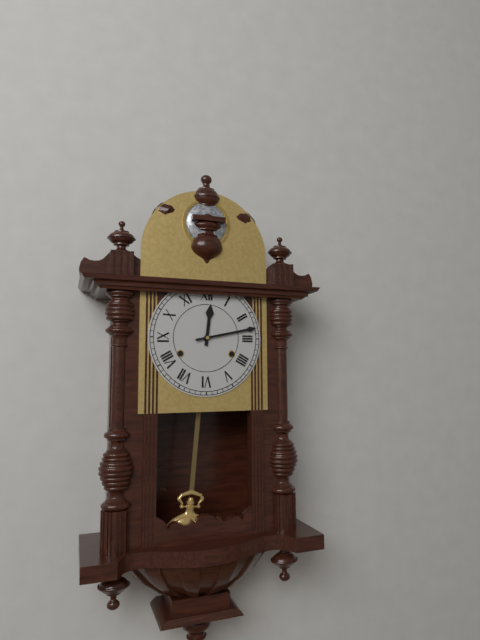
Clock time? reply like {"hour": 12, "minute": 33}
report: {"hour": 12, "minute": 13}
